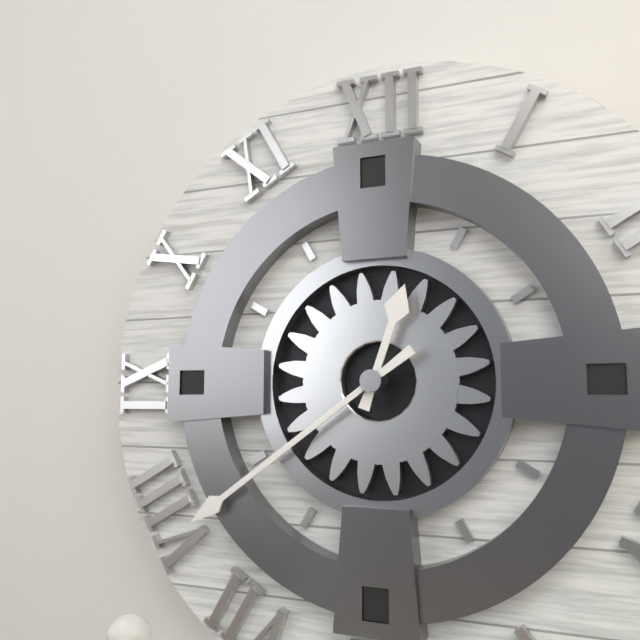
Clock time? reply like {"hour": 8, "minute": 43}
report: {"hour": 12, "minute": 39}
